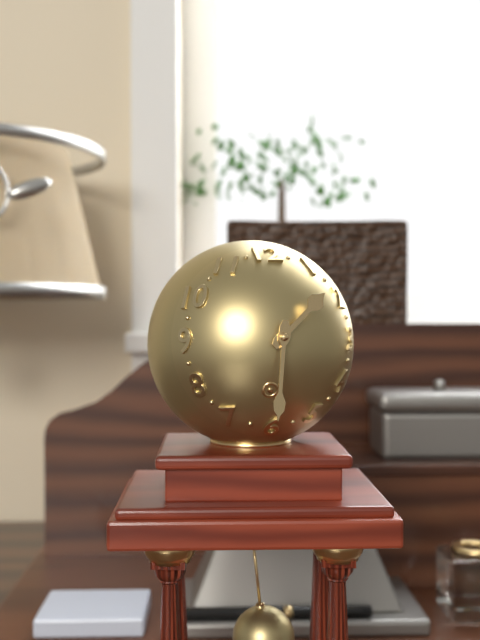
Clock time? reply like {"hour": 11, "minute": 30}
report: {"hour": 1, "minute": 31}
